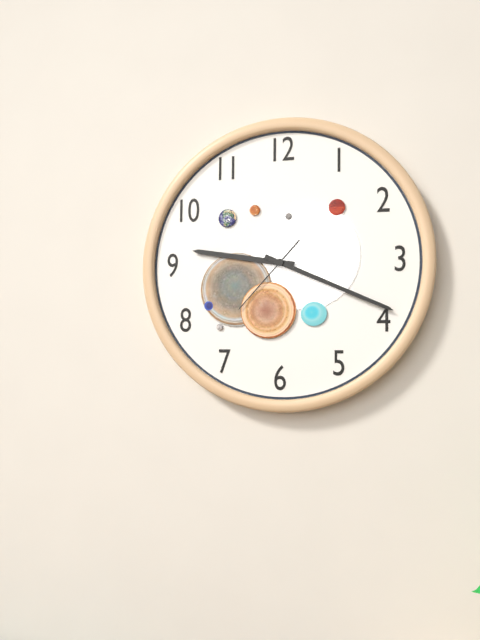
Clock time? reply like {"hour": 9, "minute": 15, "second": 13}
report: {"hour": 9, "minute": 19, "second": 37}
